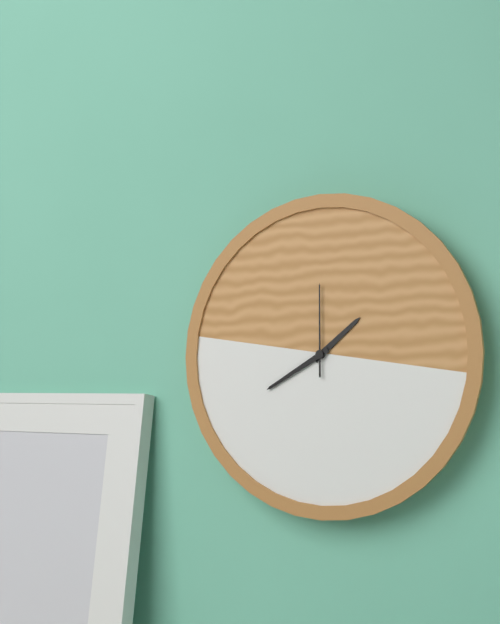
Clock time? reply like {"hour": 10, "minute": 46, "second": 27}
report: {"hour": 1, "minute": 40, "second": 0}
